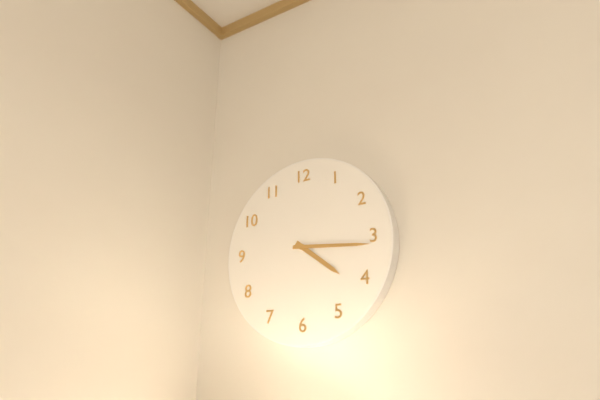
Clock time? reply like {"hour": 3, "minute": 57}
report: {"hour": 4, "minute": 16}
